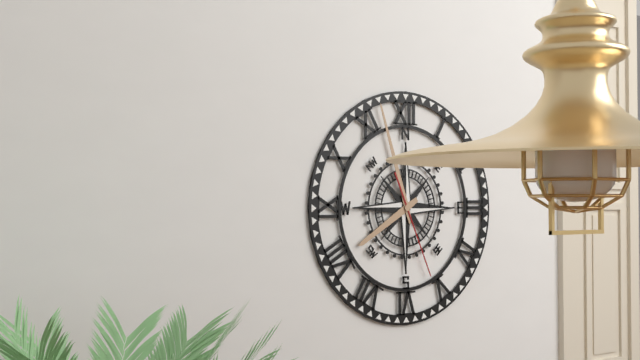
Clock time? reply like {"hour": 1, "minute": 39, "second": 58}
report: {"hour": 7, "minute": 57, "second": 26}
